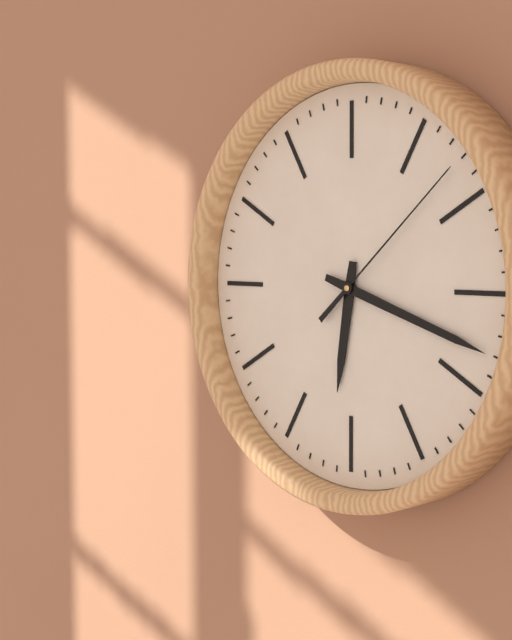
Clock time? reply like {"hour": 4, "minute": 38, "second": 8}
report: {"hour": 6, "minute": 18, "second": 8}
